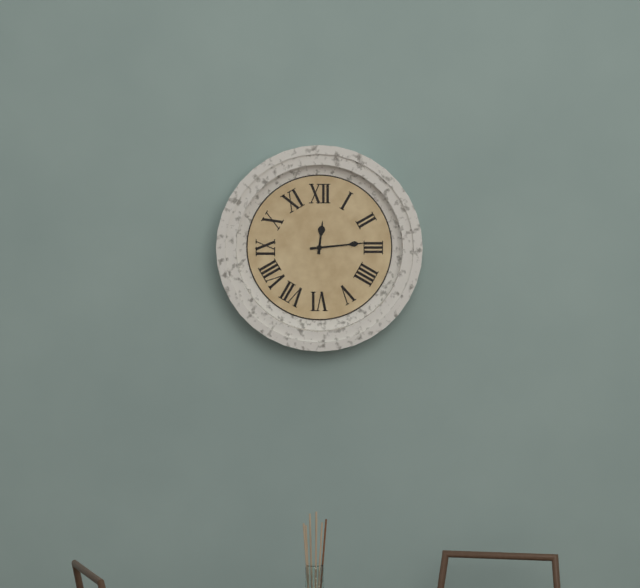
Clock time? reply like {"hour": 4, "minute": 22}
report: {"hour": 12, "minute": 14}
